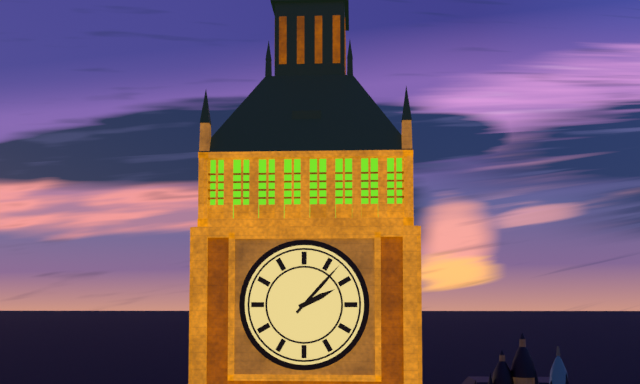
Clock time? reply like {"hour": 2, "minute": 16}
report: {"hour": 2, "minute": 7}
